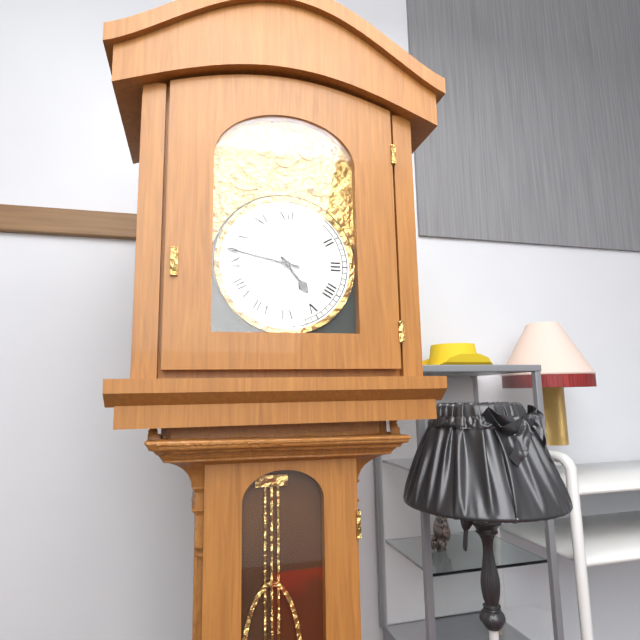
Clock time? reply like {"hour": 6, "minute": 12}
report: {"hour": 4, "minute": 47}
